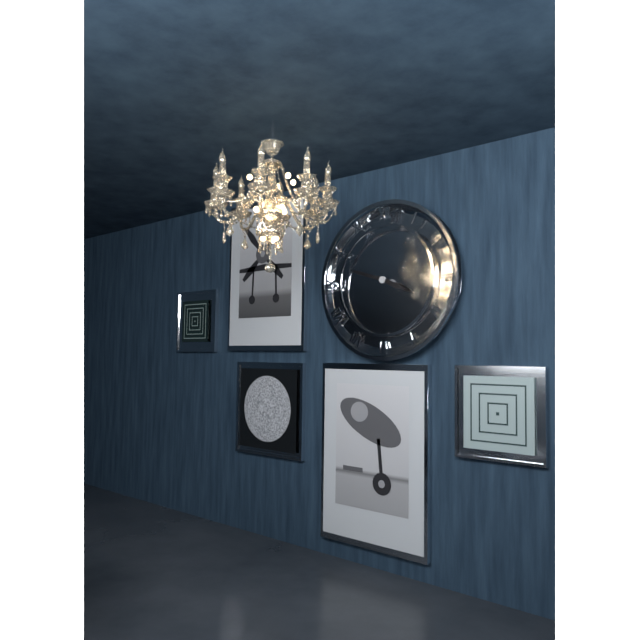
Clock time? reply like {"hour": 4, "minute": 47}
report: {"hour": 3, "minute": 48}
